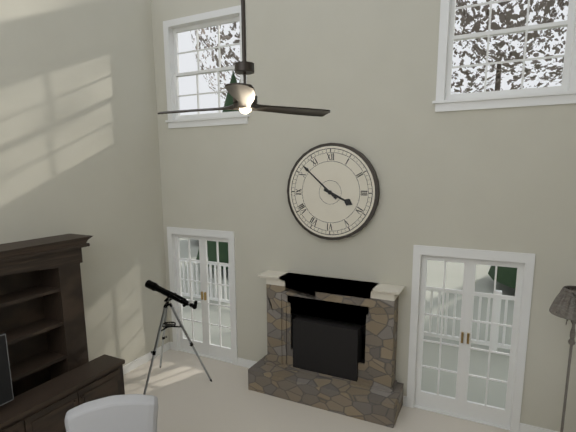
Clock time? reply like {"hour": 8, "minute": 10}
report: {"hour": 3, "minute": 52}
